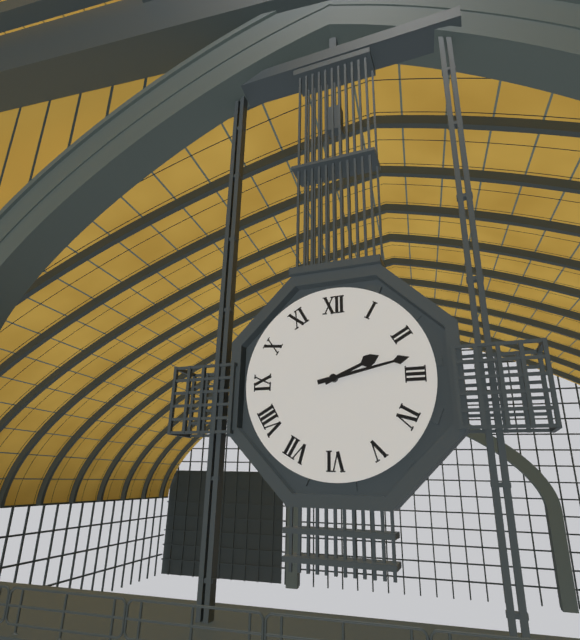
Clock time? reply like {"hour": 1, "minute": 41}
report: {"hour": 2, "minute": 13}
